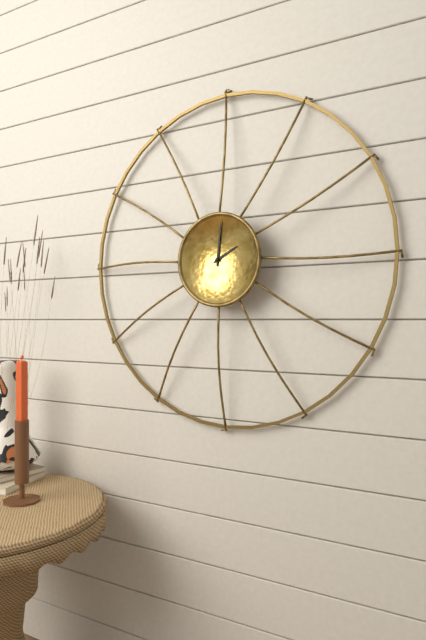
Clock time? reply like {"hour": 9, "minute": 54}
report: {"hour": 2, "minute": 1}
